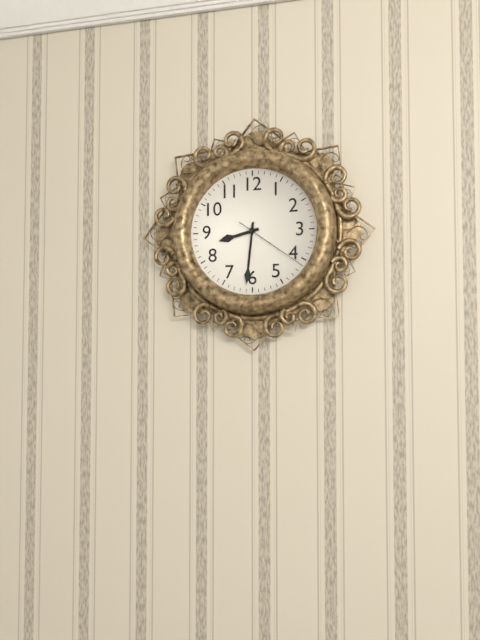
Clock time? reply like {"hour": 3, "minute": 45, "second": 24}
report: {"hour": 8, "minute": 31, "second": 21}
